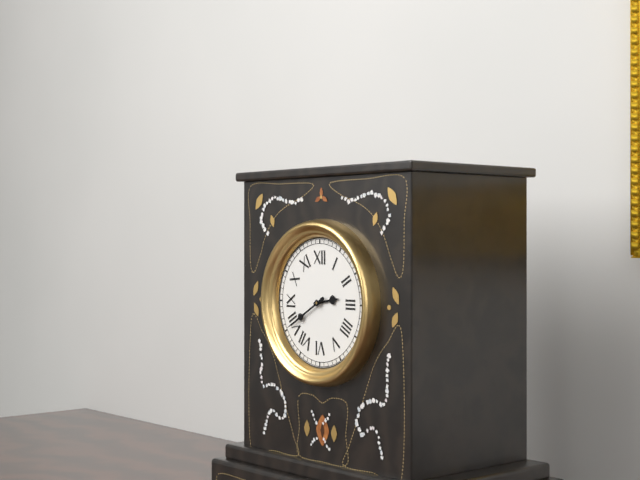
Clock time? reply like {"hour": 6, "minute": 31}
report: {"hour": 2, "minute": 40}
